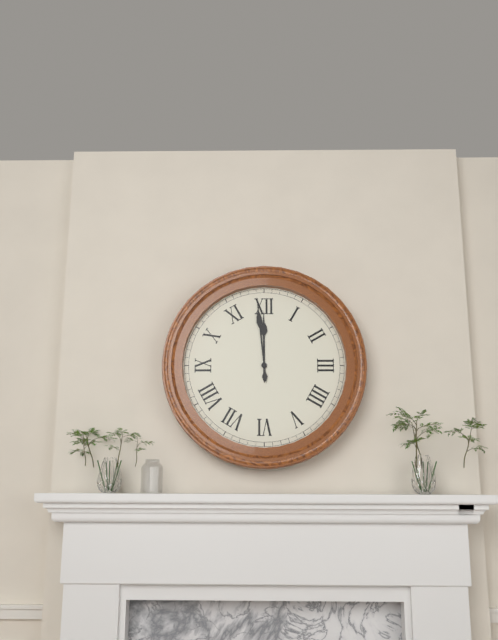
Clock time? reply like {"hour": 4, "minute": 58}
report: {"hour": 11, "minute": 59}
